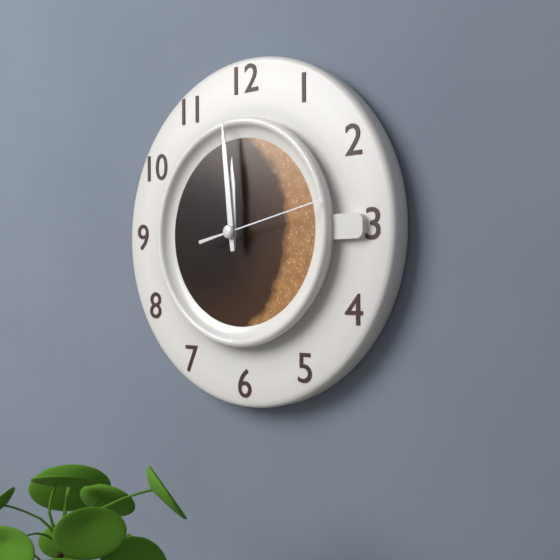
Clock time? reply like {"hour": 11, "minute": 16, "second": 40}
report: {"hour": 11, "minute": 59, "second": 13}
